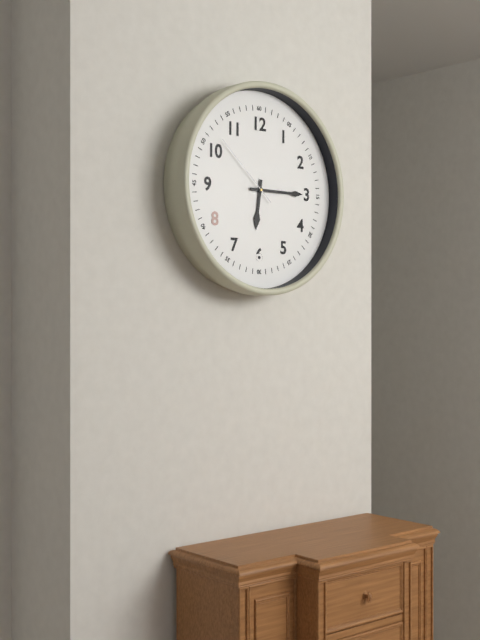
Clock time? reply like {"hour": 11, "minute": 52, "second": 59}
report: {"hour": 6, "minute": 15, "second": 52}
